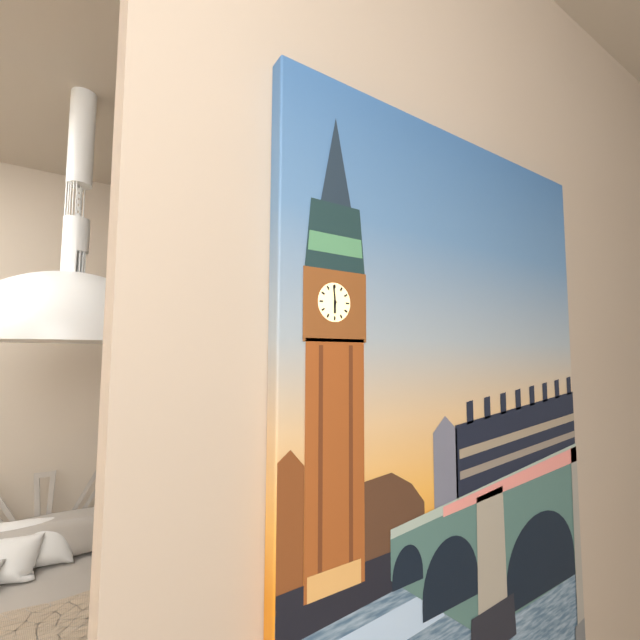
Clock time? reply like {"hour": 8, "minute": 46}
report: {"hour": 5, "minute": 59}
